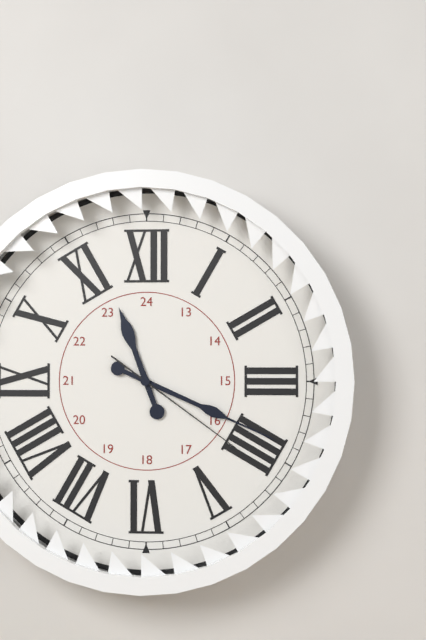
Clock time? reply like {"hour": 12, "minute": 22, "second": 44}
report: {"hour": 11, "minute": 19, "second": 21}
